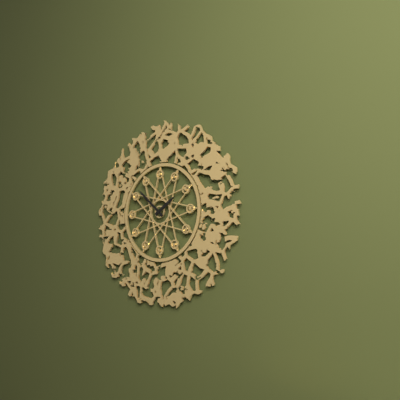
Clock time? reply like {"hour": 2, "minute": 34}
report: {"hour": 1, "minute": 52}
